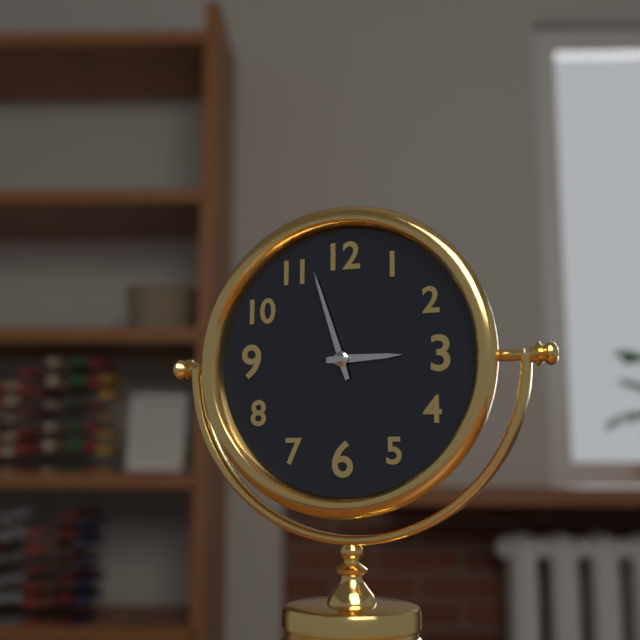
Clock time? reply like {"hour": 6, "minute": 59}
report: {"hour": 2, "minute": 57}
